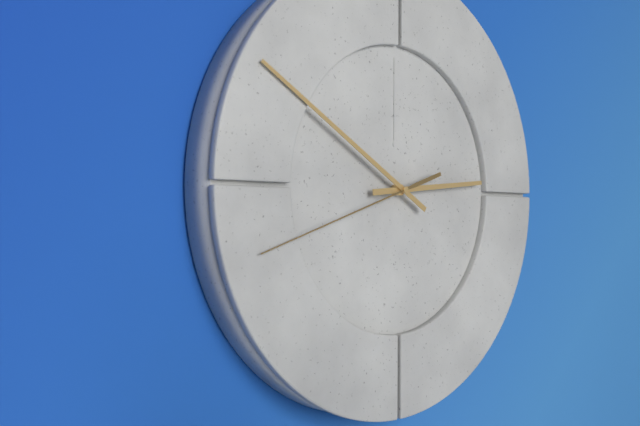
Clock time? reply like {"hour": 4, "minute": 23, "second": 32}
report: {"hour": 2, "minute": 50, "second": 42}
